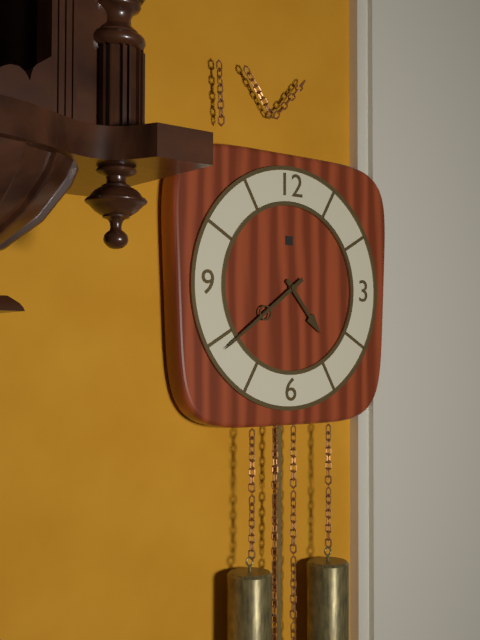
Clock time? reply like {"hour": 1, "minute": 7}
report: {"hour": 4, "minute": 39}
